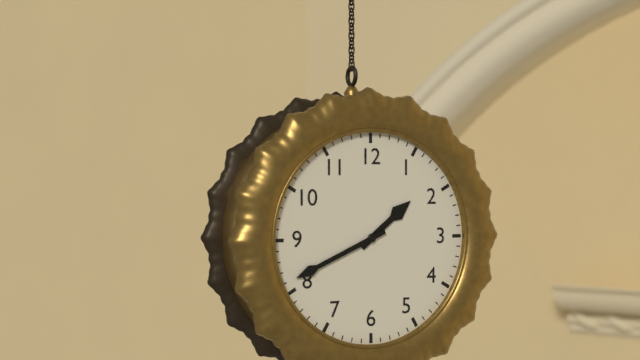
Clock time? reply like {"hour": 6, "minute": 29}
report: {"hour": 1, "minute": 41}
